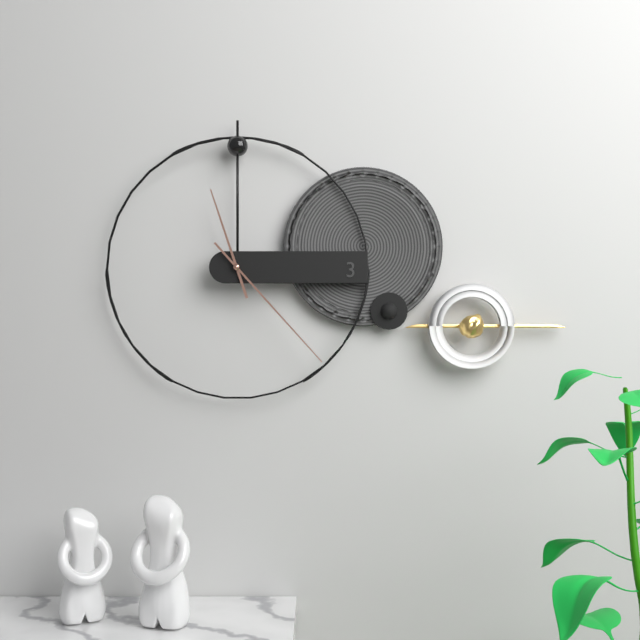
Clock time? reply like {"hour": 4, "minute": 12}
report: {"hour": 11, "minute": 23}
